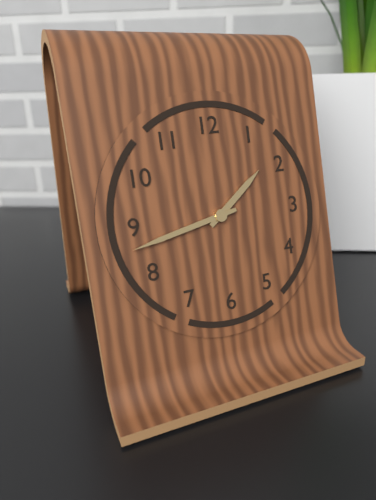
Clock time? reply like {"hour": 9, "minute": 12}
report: {"hour": 1, "minute": 43}
